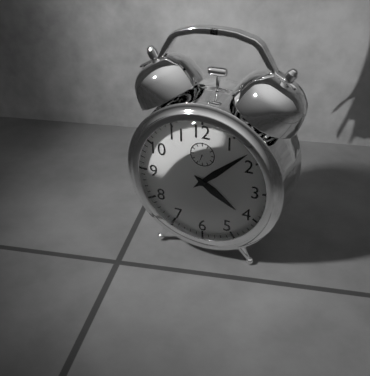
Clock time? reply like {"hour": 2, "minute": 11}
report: {"hour": 4, "minute": 8}
